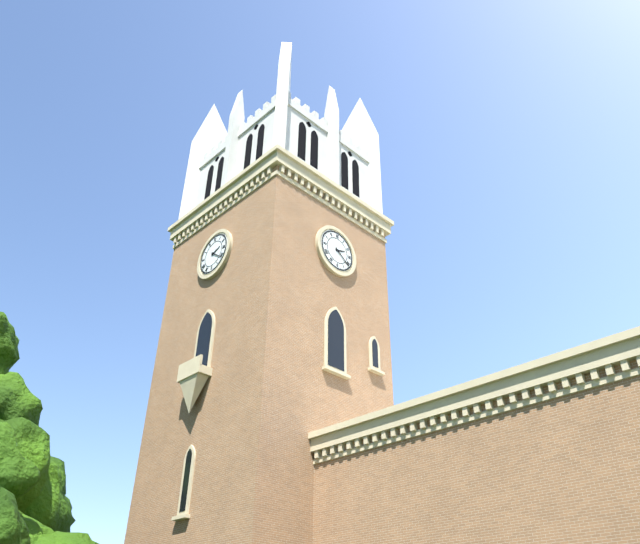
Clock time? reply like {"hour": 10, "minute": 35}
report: {"hour": 2, "minute": 21}
